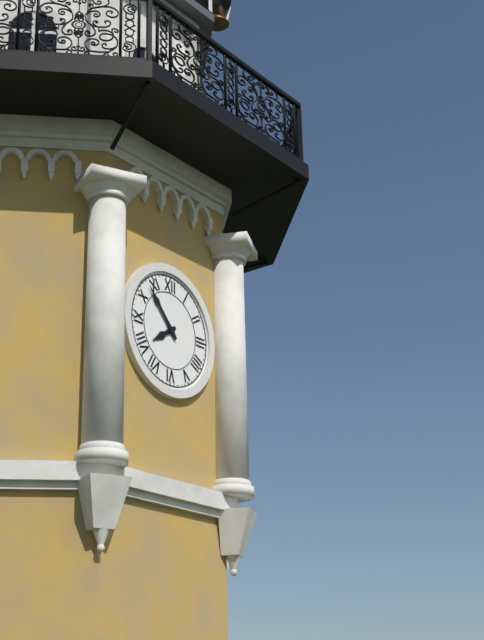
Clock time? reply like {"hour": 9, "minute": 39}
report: {"hour": 7, "minute": 53}
